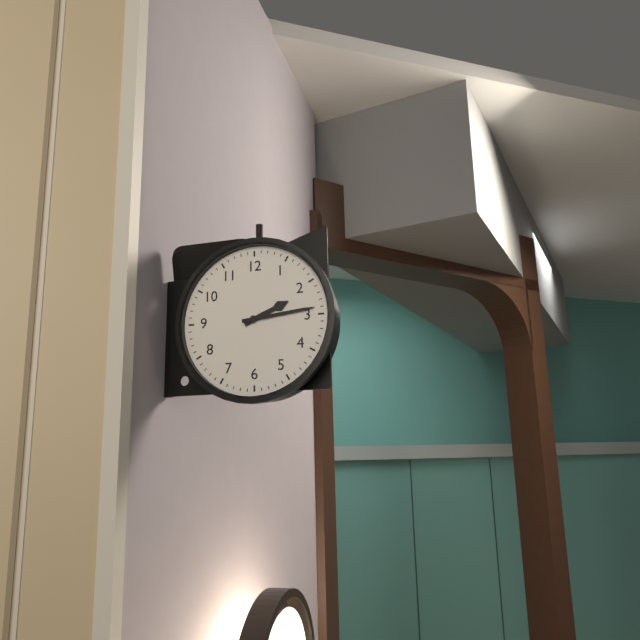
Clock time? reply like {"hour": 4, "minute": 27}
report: {"hour": 2, "minute": 14}
